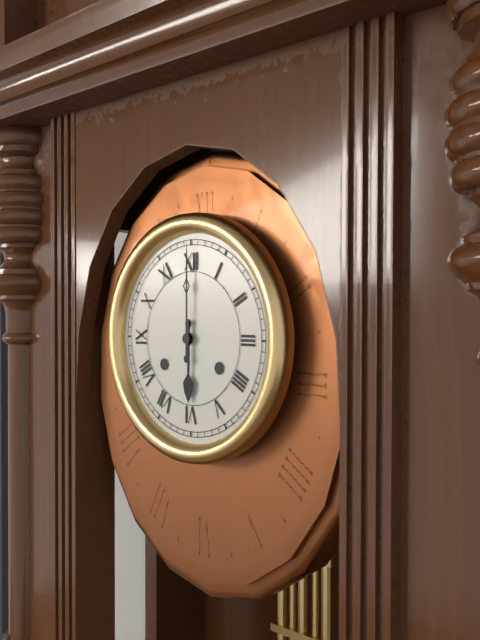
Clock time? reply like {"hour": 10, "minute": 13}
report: {"hour": 6, "minute": 0}
